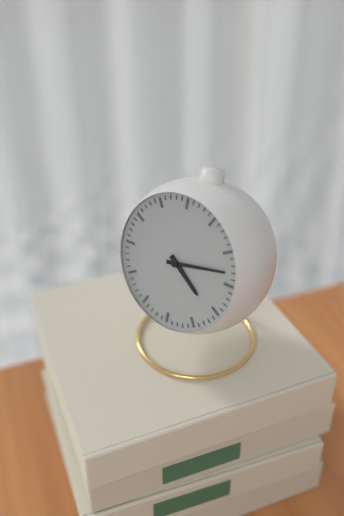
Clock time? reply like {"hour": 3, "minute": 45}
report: {"hour": 4, "minute": 13}
